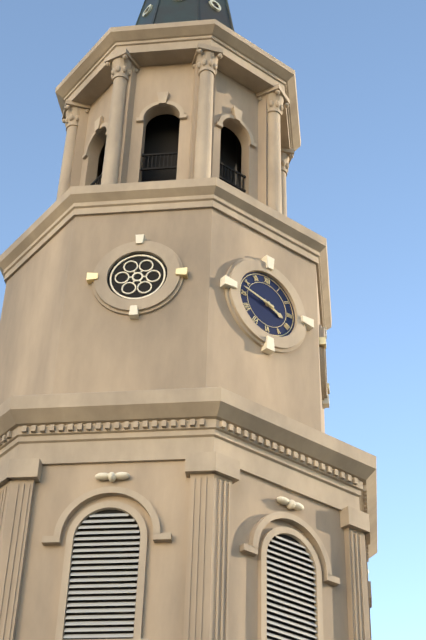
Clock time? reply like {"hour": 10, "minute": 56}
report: {"hour": 3, "minute": 47}
